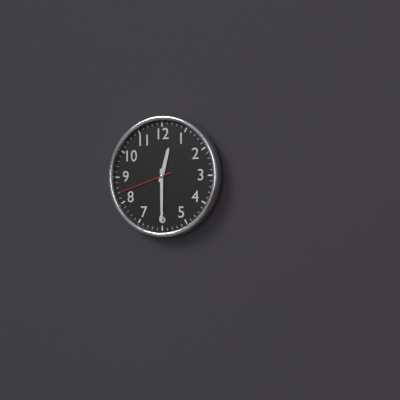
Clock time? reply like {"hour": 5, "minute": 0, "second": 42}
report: {"hour": 12, "minute": 30, "second": 42}
